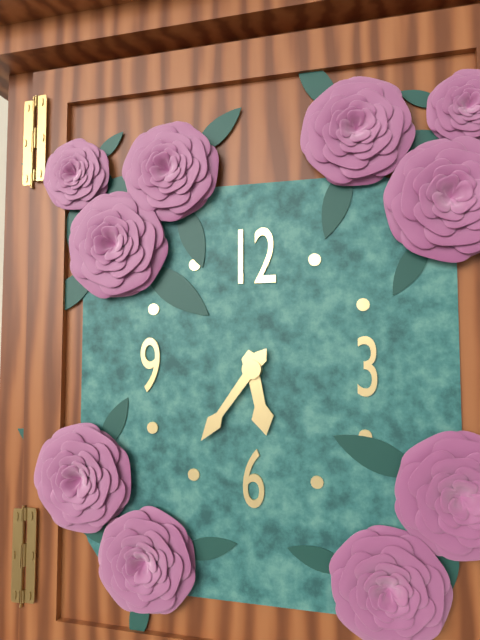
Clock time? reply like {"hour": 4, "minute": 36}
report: {"hour": 5, "minute": 36}
